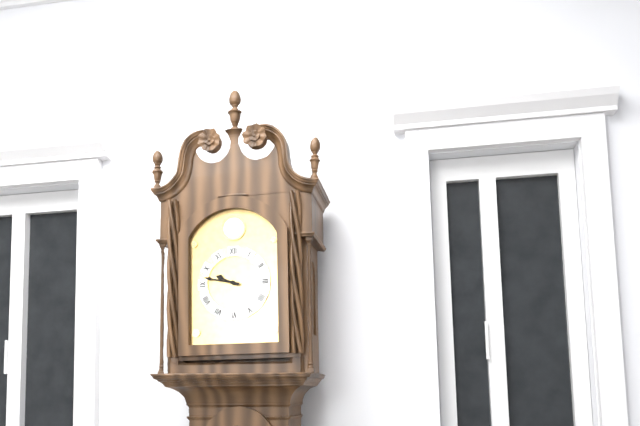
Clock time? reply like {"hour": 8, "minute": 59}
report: {"hour": 9, "minute": 47}
